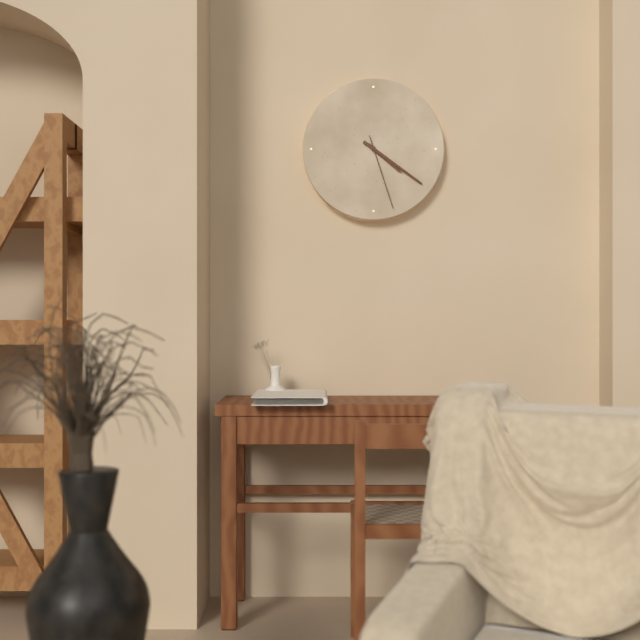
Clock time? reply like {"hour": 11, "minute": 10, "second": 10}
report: {"hour": 4, "minute": 21, "second": 27}
